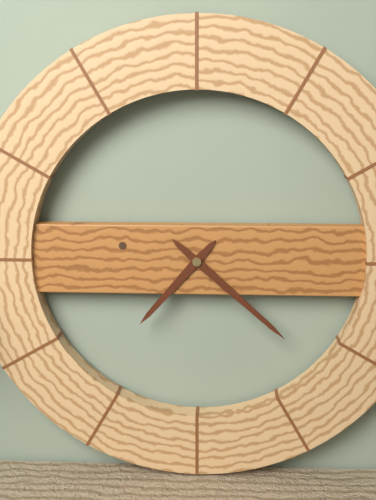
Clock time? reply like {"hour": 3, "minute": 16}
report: {"hour": 7, "minute": 22}
